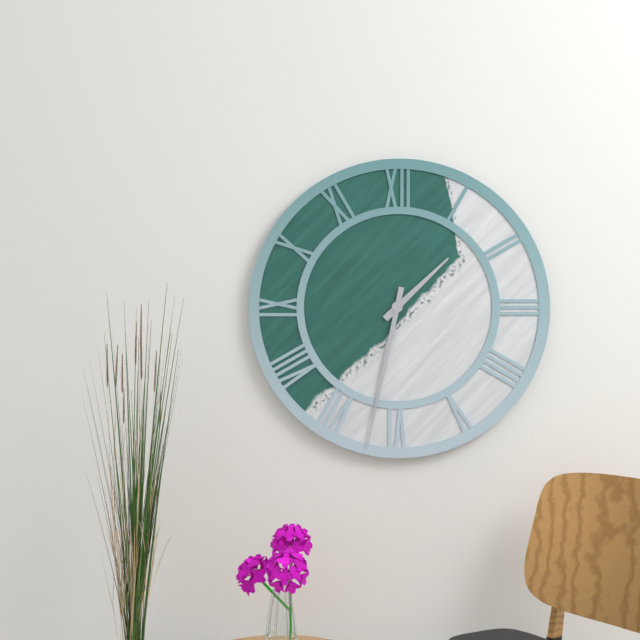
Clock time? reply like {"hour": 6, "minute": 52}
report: {"hour": 1, "minute": 32}
